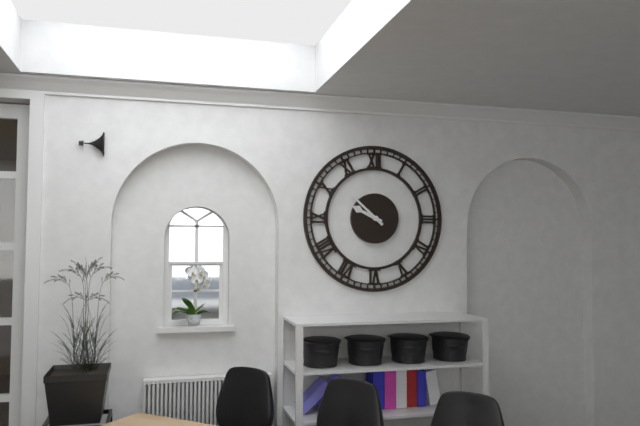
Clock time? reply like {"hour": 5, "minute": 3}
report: {"hour": 9, "minute": 52}
